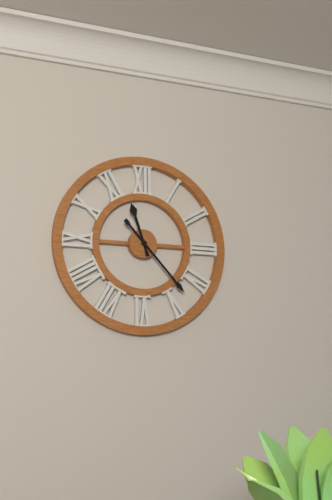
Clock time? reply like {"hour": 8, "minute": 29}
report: {"hour": 11, "minute": 23}
